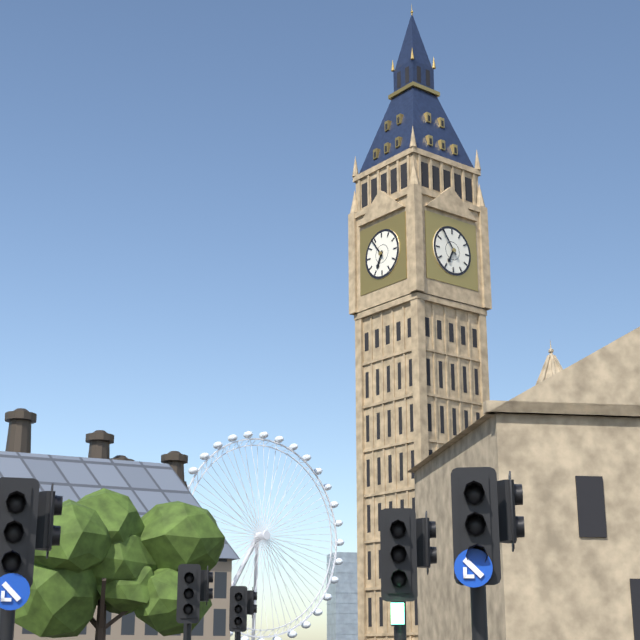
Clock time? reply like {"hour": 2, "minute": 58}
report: {"hour": 6, "minute": 54}
